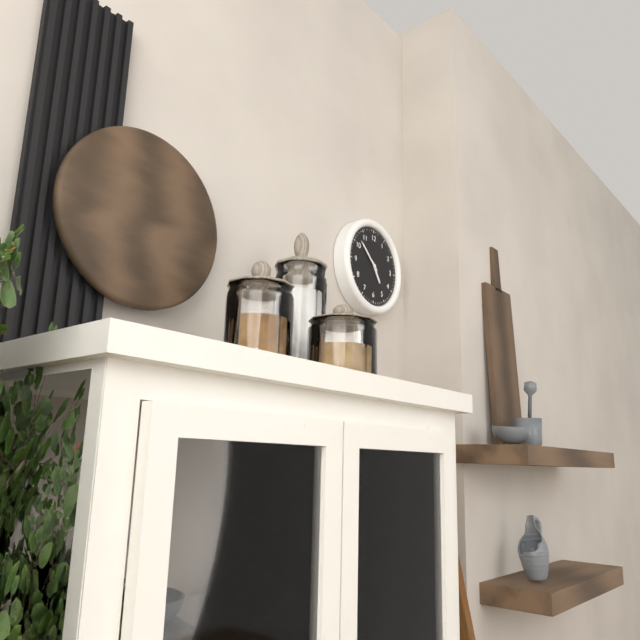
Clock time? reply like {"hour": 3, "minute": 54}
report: {"hour": 4, "minute": 52}
